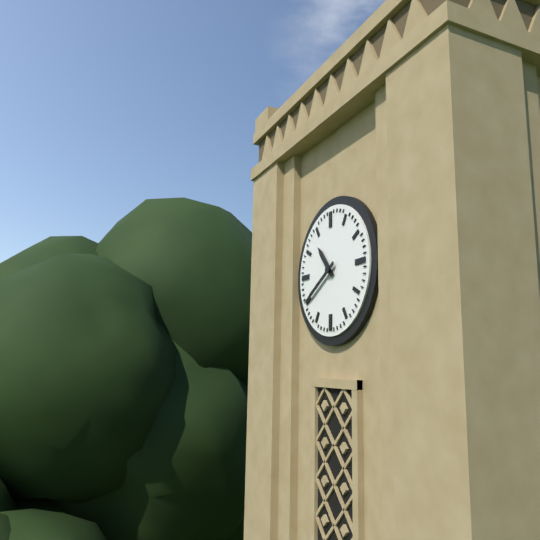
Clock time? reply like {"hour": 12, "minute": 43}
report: {"hour": 10, "minute": 40}
